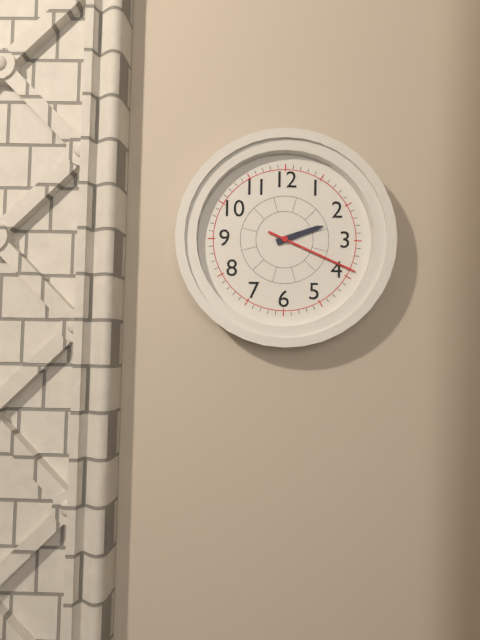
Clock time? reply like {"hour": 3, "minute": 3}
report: {"hour": 2, "minute": 19}
